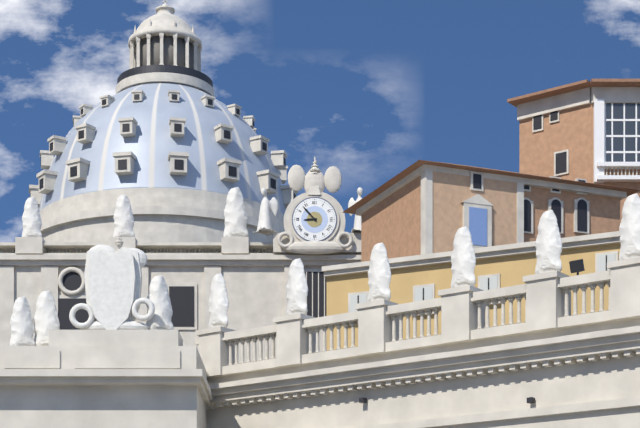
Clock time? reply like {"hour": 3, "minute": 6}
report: {"hour": 8, "minute": 53}
